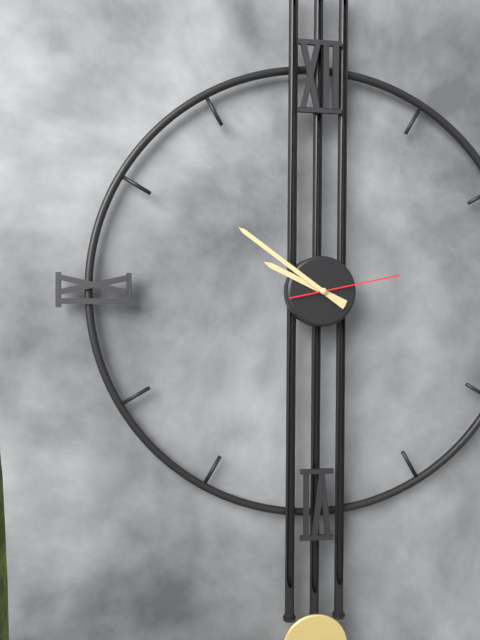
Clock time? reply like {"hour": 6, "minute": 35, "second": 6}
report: {"hour": 9, "minute": 51, "second": 13}
